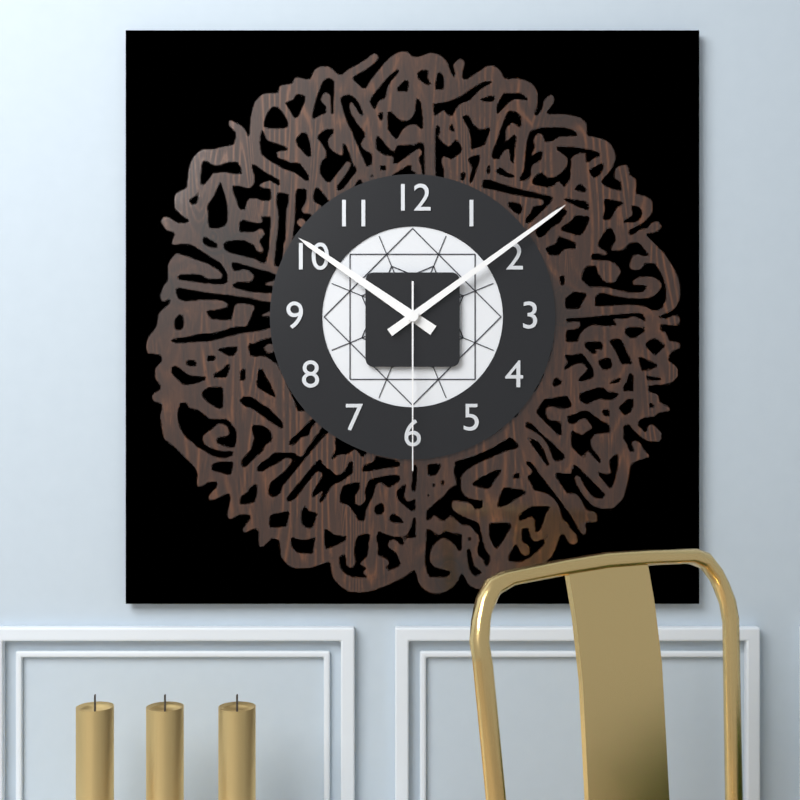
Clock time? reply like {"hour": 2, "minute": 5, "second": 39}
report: {"hour": 10, "minute": 9, "second": 30}
